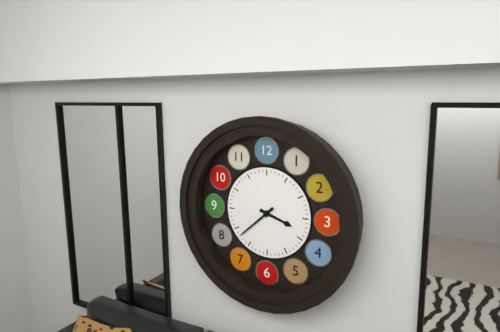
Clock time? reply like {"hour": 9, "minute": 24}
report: {"hour": 3, "minute": 38}
